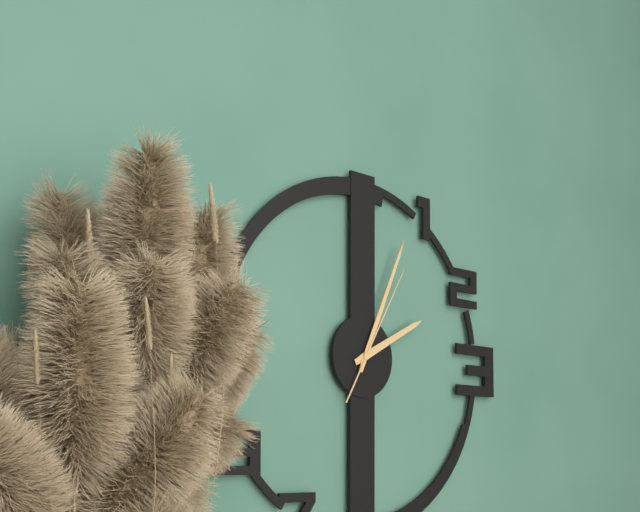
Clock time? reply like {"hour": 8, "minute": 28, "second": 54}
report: {"hour": 2, "minute": 4, "second": 5}
